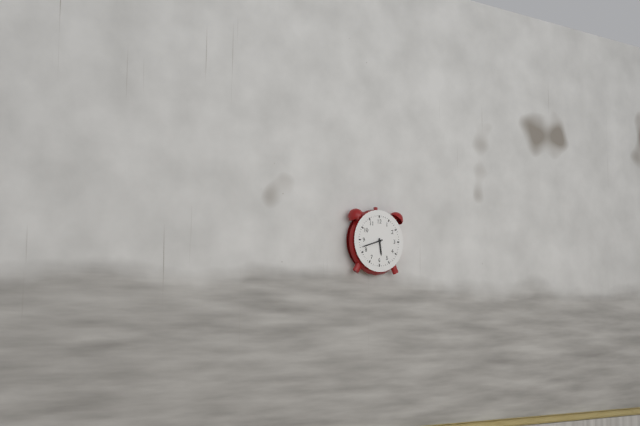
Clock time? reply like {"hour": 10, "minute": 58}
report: {"hour": 5, "minute": 42}
